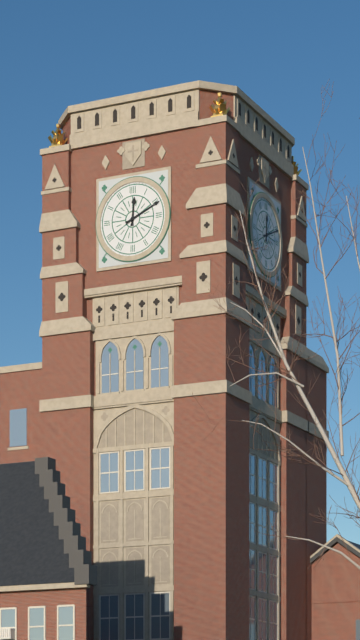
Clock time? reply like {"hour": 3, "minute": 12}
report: {"hour": 12, "minute": 11}
